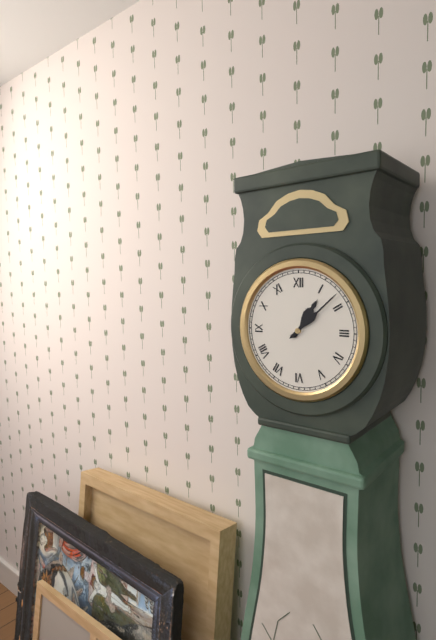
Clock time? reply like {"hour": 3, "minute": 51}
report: {"hour": 1, "minute": 8}
